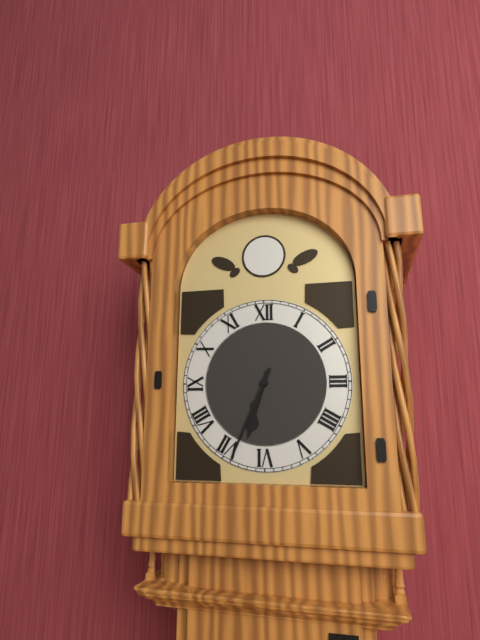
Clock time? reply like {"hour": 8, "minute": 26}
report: {"hour": 6, "minute": 34}
